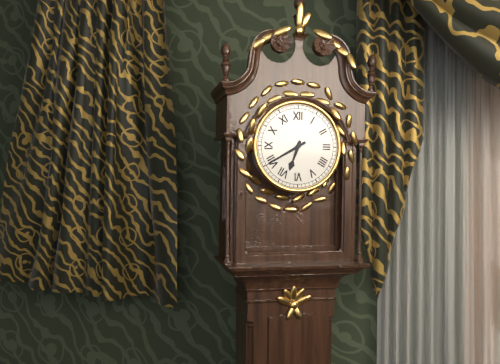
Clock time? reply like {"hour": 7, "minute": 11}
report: {"hour": 6, "minute": 40}
